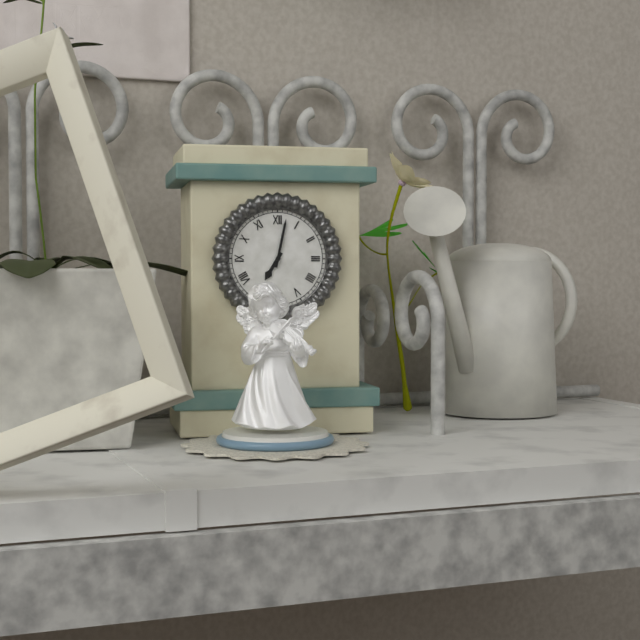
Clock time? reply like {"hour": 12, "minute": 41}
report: {"hour": 7, "minute": 2}
